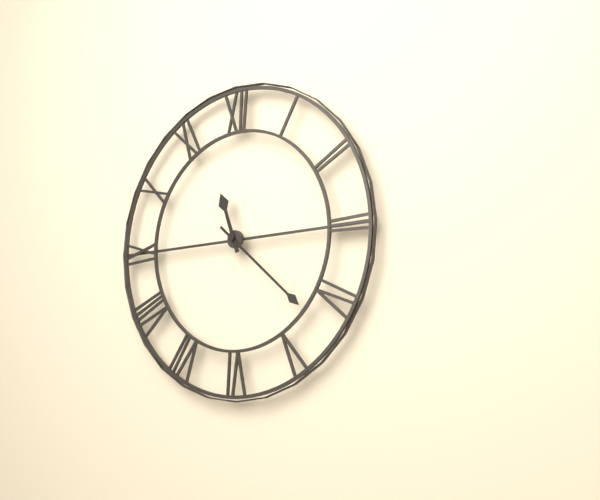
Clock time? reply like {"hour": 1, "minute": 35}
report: {"hour": 11, "minute": 22}
